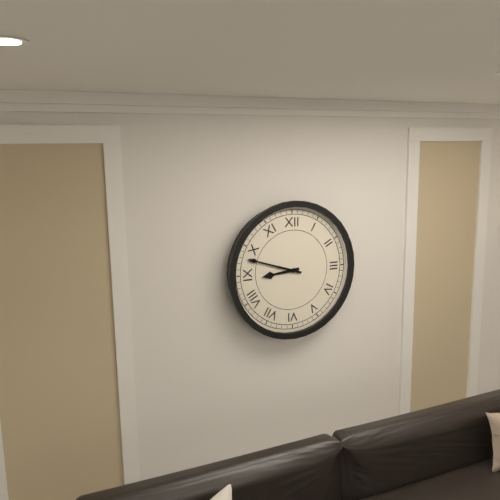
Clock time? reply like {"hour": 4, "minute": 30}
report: {"hour": 8, "minute": 48}
